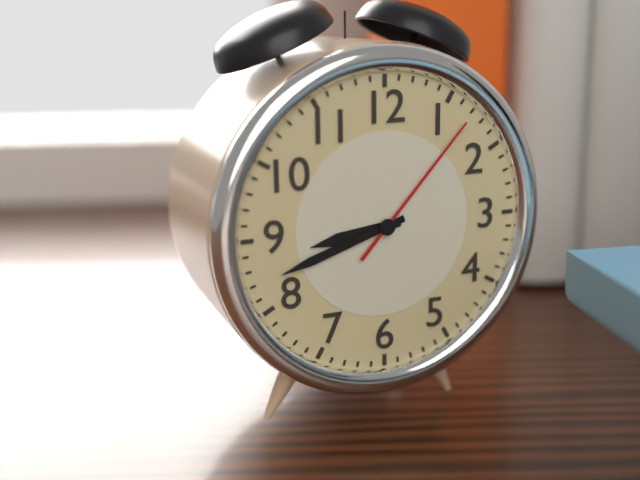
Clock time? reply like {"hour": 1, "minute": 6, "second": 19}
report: {"hour": 8, "minute": 42, "second": 7}
